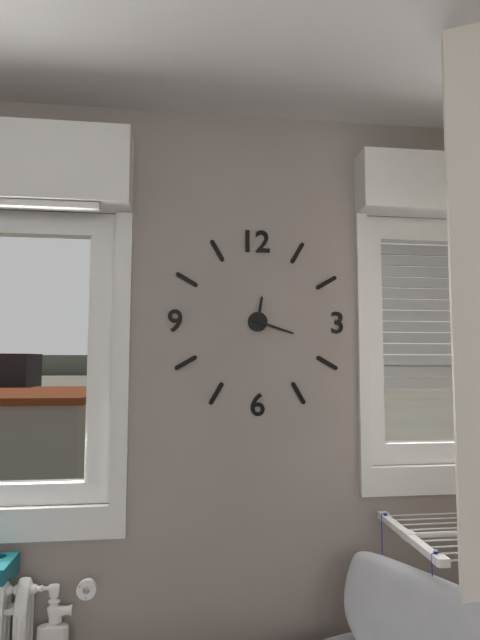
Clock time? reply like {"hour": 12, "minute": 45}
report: {"hour": 12, "minute": 18}
